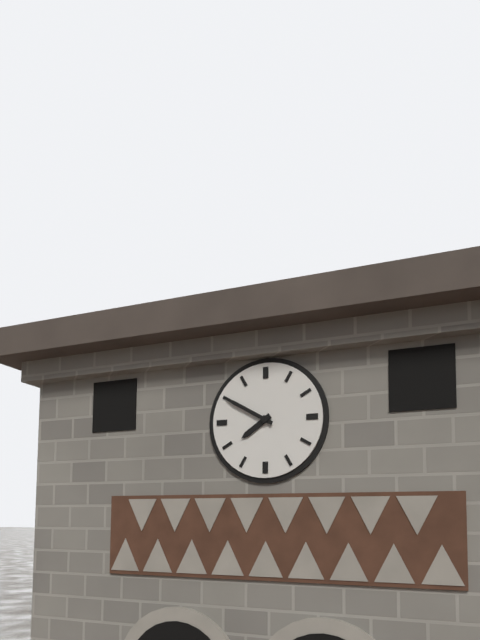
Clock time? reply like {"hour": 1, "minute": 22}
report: {"hour": 7, "minute": 50}
